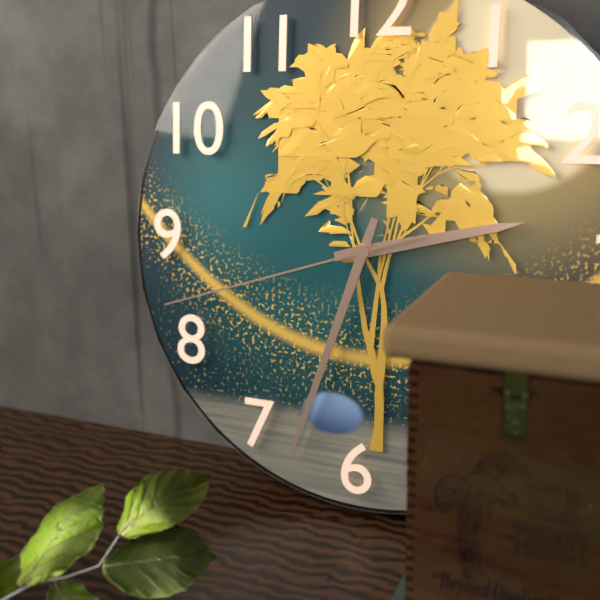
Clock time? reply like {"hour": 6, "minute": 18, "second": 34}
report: {"hour": 2, "minute": 33, "second": 42}
